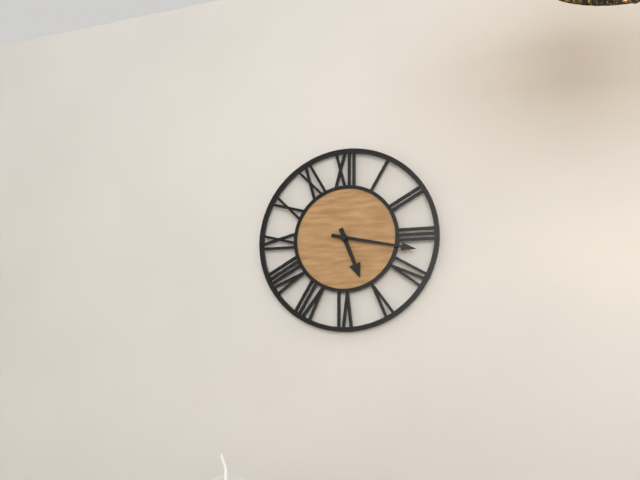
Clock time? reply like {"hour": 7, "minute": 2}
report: {"hour": 5, "minute": 17}
